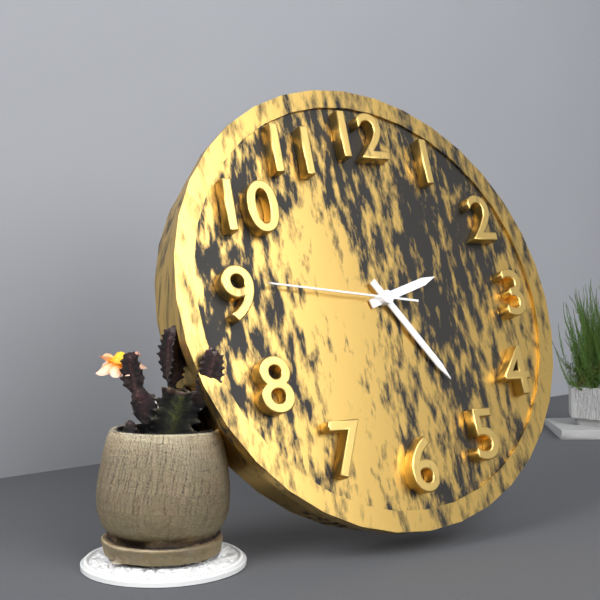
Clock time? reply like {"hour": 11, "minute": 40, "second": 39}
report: {"hour": 2, "minute": 24, "second": 46}
